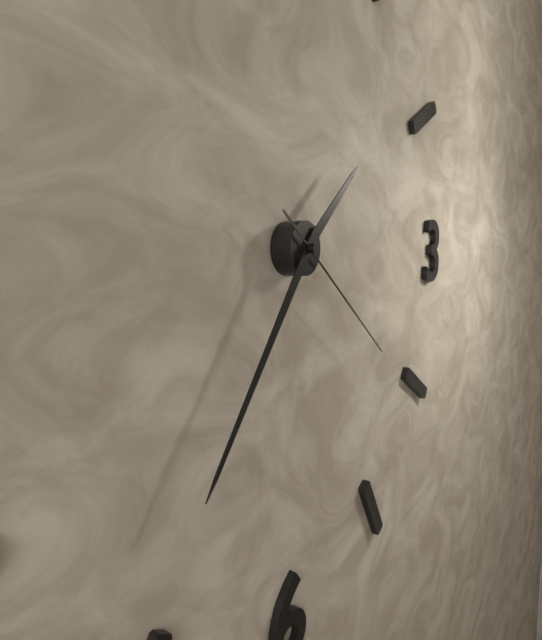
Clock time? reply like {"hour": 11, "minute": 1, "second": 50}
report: {"hour": 1, "minute": 36, "second": 21}
